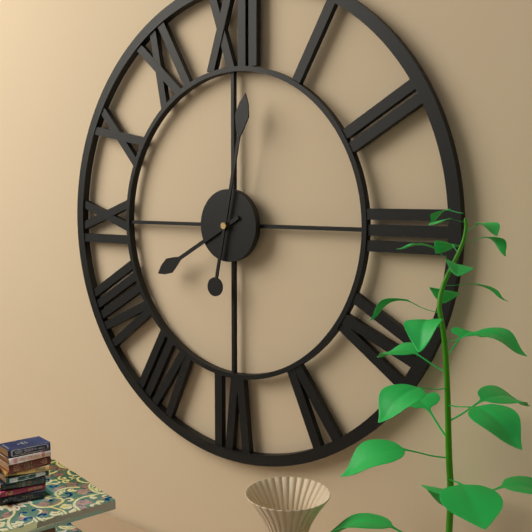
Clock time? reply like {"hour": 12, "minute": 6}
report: {"hour": 8, "minute": 2}
